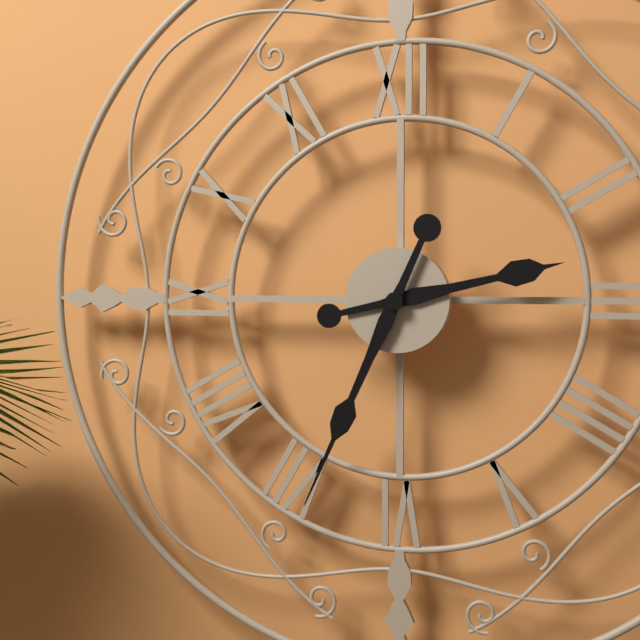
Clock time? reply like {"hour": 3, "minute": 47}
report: {"hour": 2, "minute": 34}
